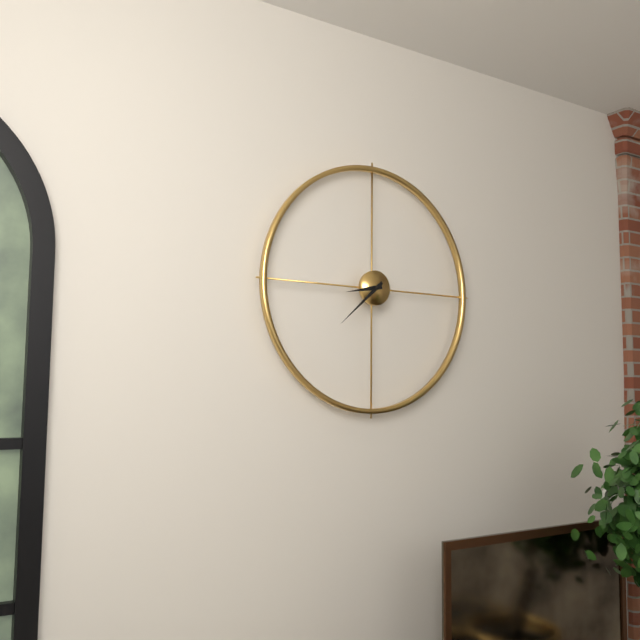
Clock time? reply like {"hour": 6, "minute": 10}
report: {"hour": 8, "minute": 38}
